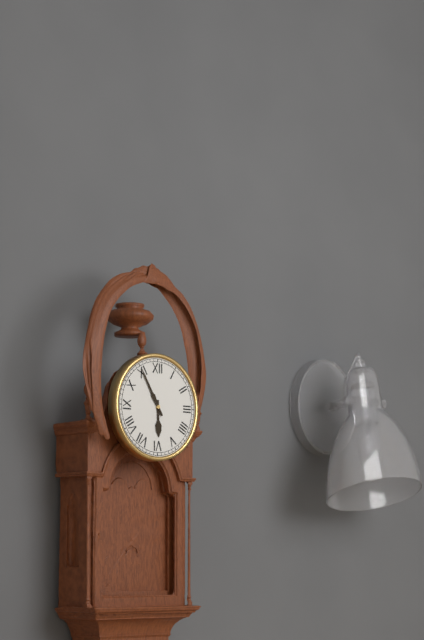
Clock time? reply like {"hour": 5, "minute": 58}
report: {"hour": 5, "minute": 55}
